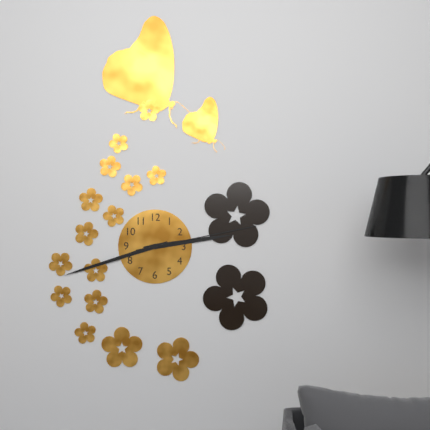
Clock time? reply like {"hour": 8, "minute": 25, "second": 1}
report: {"hour": 2, "minute": 42, "second": 13}
